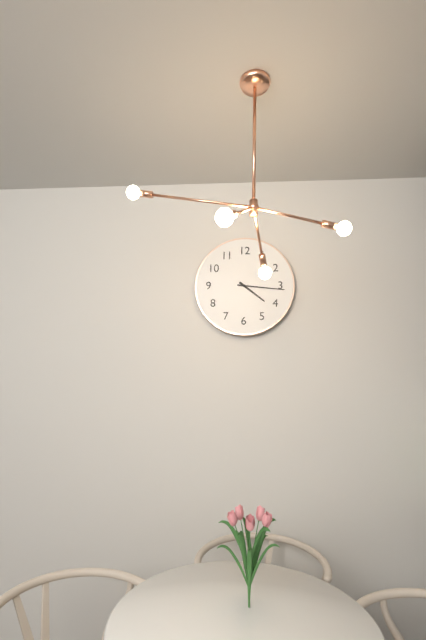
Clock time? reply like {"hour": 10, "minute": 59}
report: {"hour": 4, "minute": 16}
